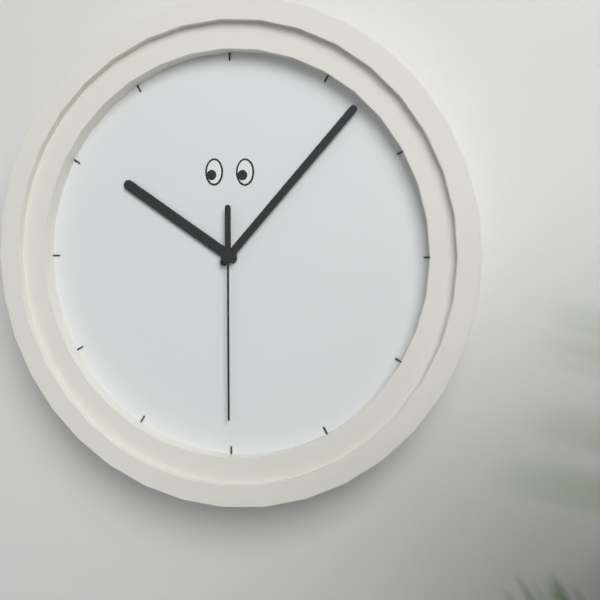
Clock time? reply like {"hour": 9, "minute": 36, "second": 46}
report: {"hour": 10, "minute": 7, "second": 30}
